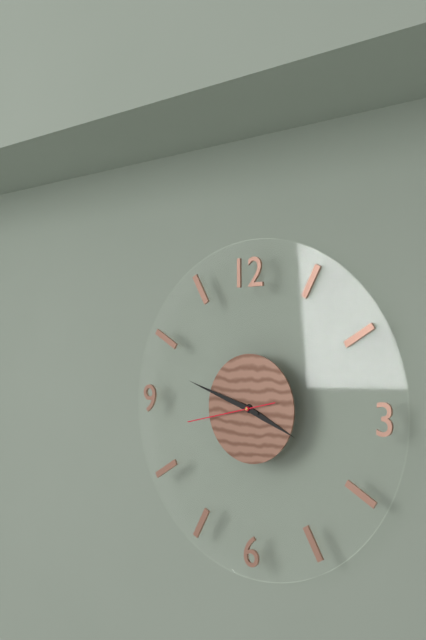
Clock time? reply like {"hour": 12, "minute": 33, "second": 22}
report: {"hour": 3, "minute": 48, "second": 43}
